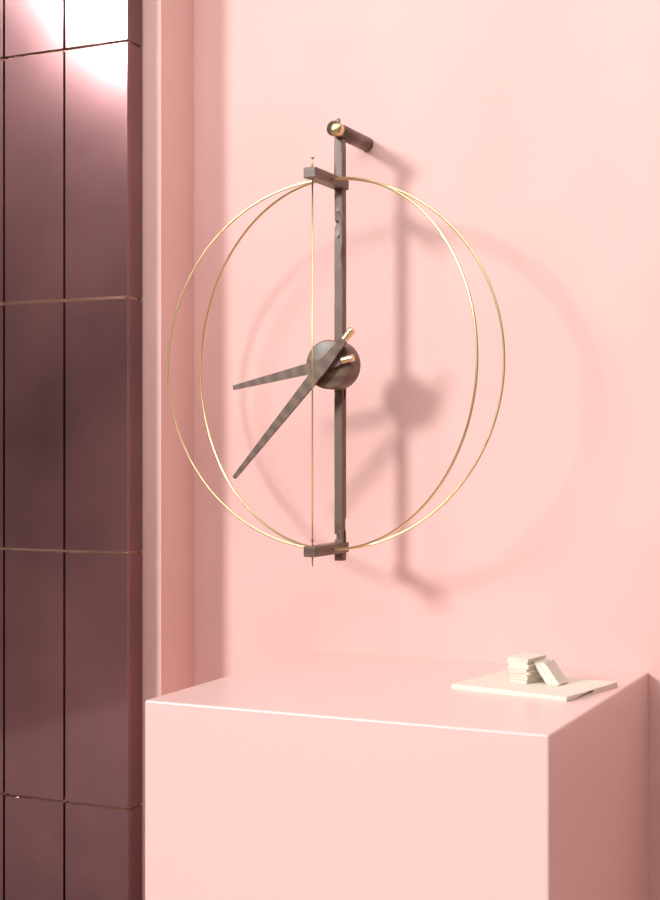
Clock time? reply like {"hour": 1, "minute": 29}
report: {"hour": 8, "minute": 37}
